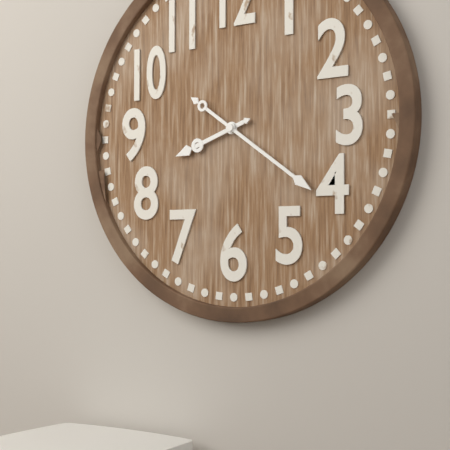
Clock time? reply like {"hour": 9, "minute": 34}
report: {"hour": 8, "minute": 21}
